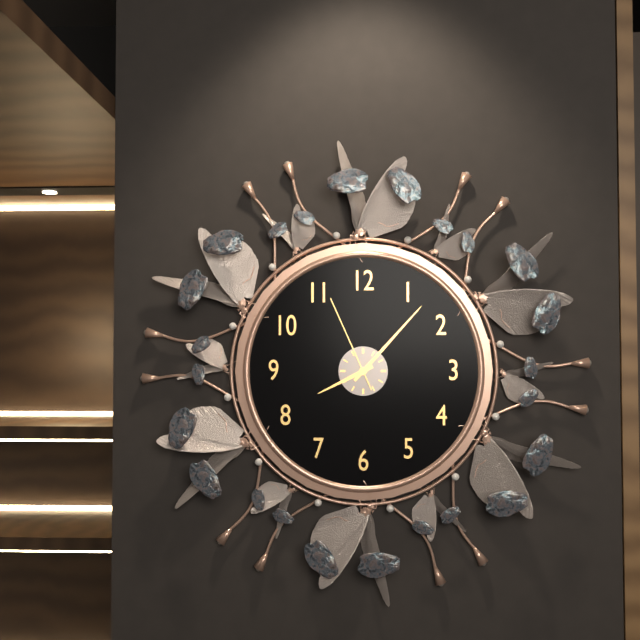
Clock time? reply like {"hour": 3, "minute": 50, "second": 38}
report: {"hour": 8, "minute": 7, "second": 56}
